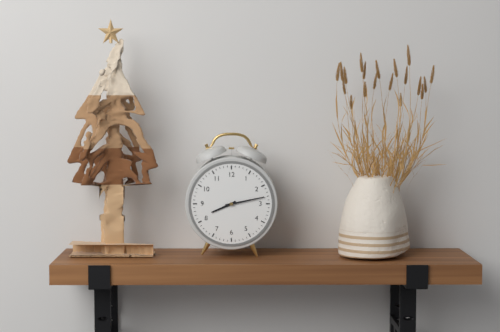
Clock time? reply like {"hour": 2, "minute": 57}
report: {"hour": 8, "minute": 13}
